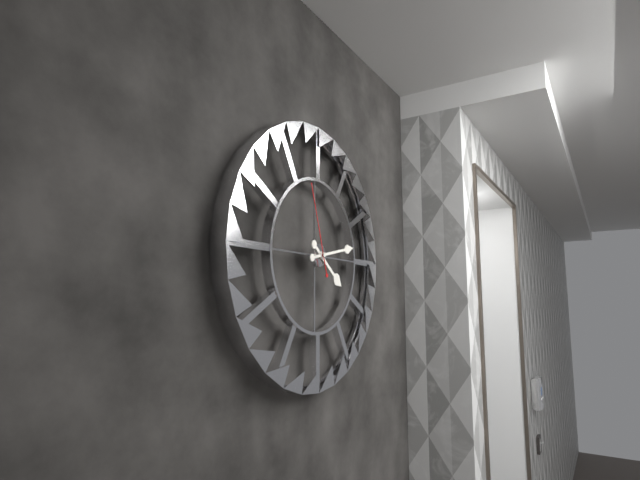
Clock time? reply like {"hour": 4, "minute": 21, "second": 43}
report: {"hour": 4, "minute": 13, "second": 57}
